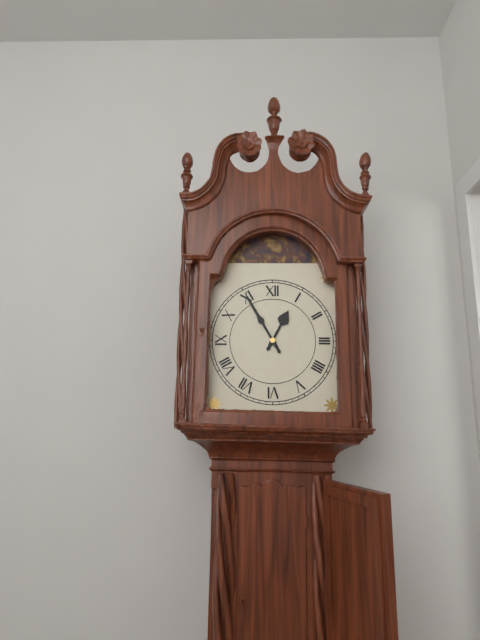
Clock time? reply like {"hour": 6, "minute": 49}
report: {"hour": 12, "minute": 55}
